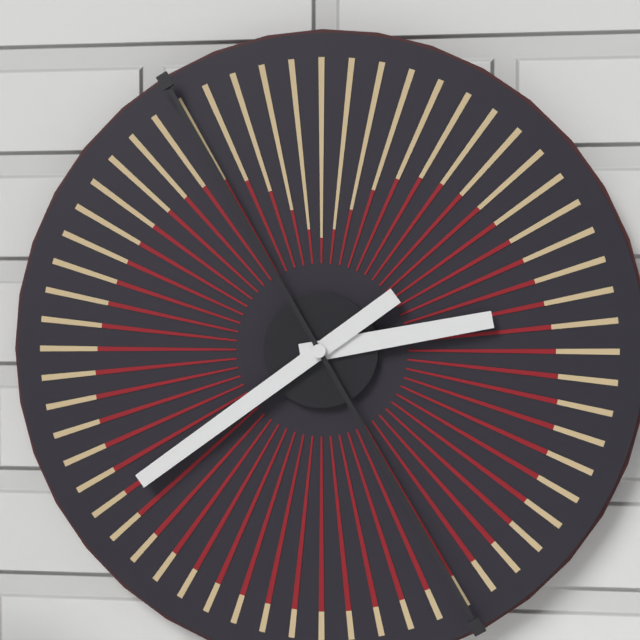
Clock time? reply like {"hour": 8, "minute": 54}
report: {"hour": 2, "minute": 39}
